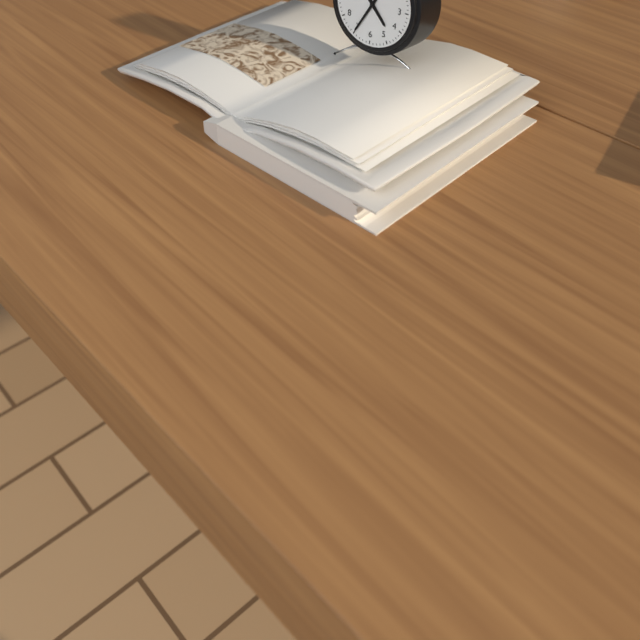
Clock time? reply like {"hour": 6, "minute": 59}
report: {"hour": 4, "minute": 35}
